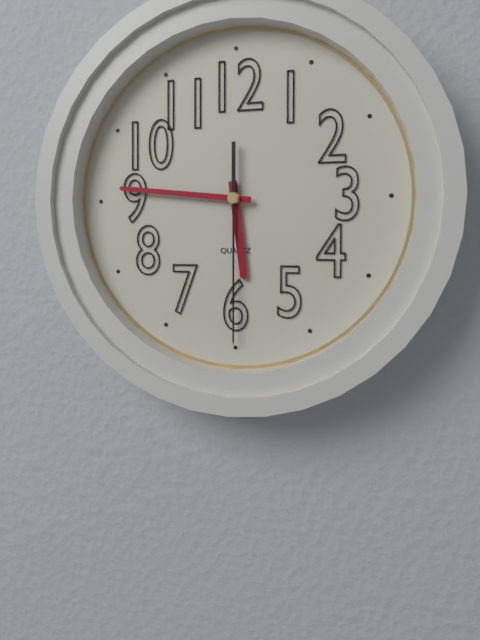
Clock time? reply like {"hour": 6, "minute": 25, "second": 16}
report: {"hour": 5, "minute": 46, "second": 30}
